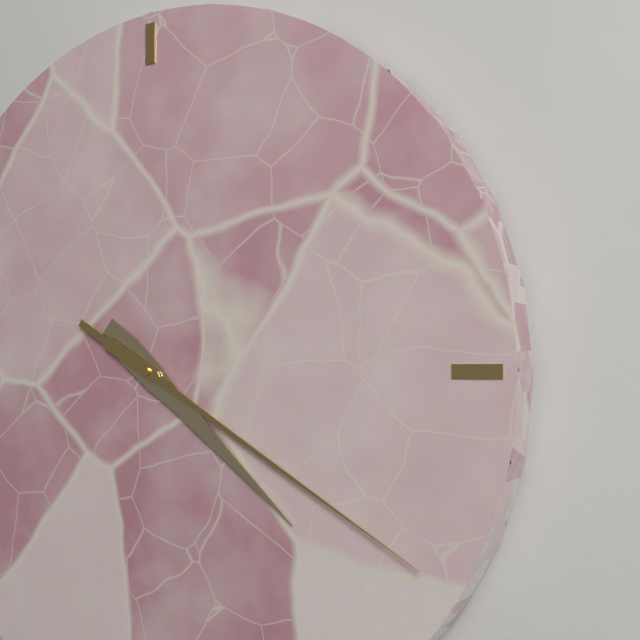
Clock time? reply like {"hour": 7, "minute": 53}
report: {"hour": 4, "minute": 20}
